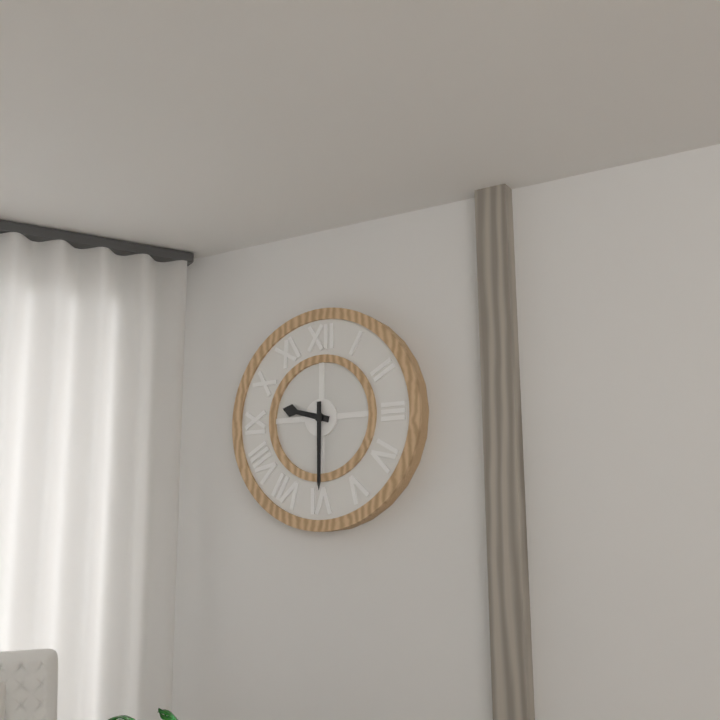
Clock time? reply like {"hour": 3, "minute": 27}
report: {"hour": 9, "minute": 30}
